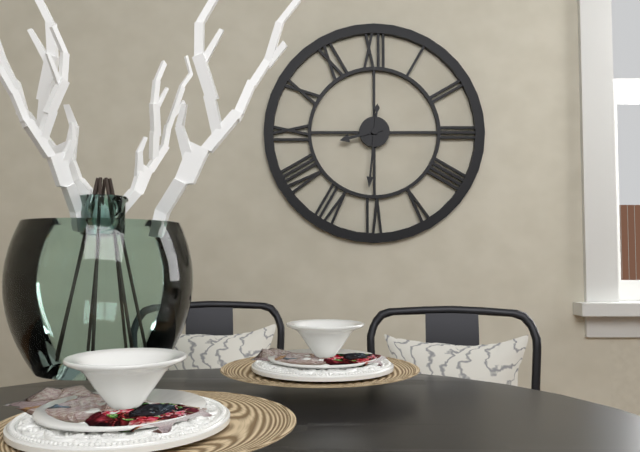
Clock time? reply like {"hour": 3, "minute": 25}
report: {"hour": 8, "minute": 31}
